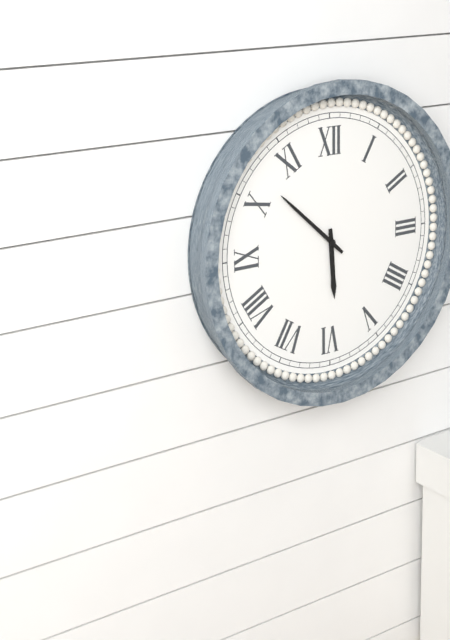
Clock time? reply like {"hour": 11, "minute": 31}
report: {"hour": 5, "minute": 52}
